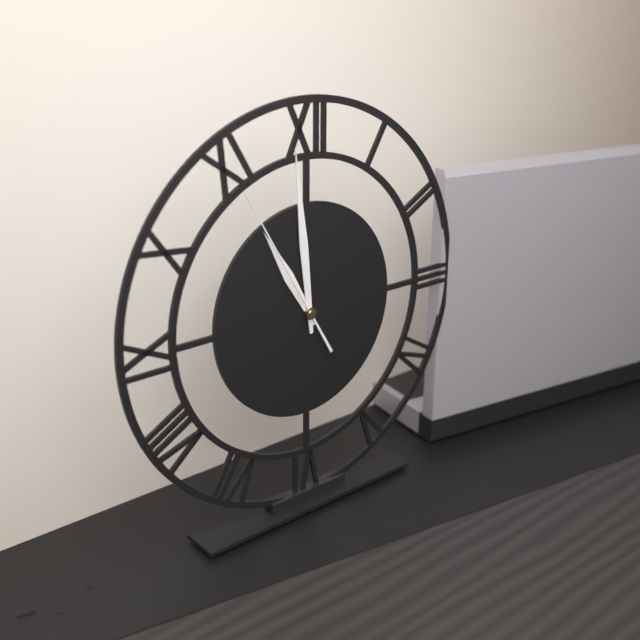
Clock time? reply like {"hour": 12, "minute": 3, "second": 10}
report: {"hour": 10, "minute": 59, "second": 55}
